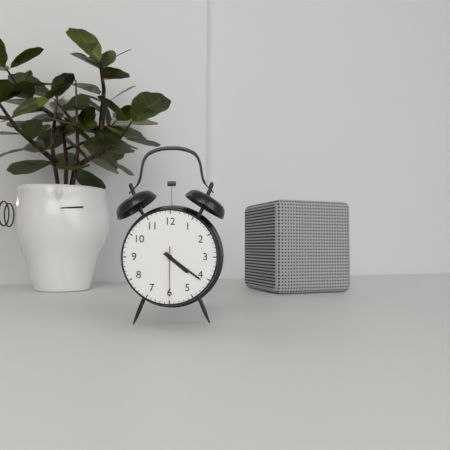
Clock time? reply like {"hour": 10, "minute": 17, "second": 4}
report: {"hour": 4, "minute": 21, "second": 30}
